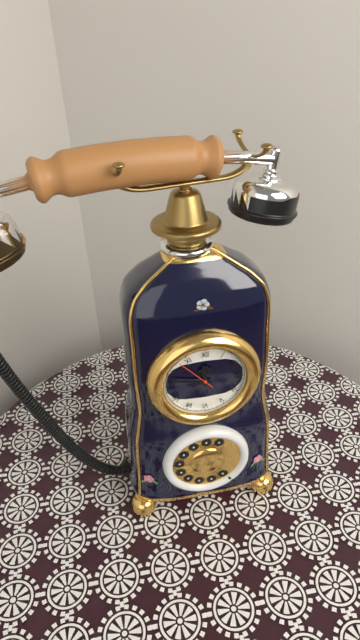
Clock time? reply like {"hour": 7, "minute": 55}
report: {"hour": 11, "minute": 47}
